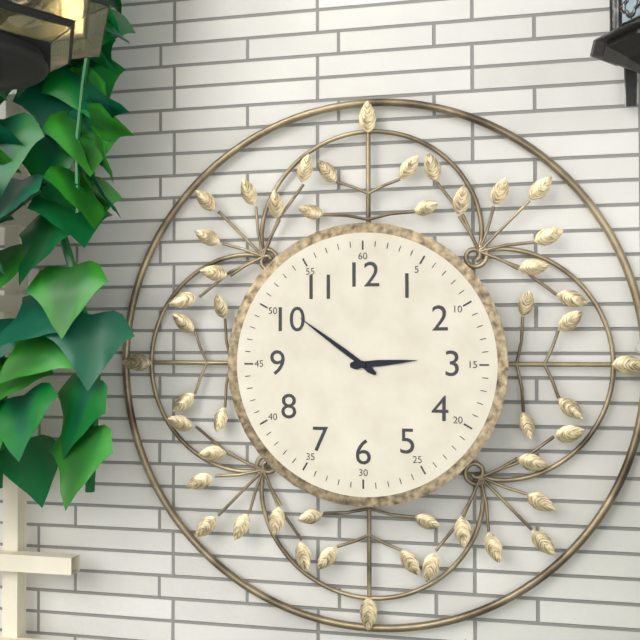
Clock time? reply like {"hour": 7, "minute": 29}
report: {"hour": 2, "minute": 51}
